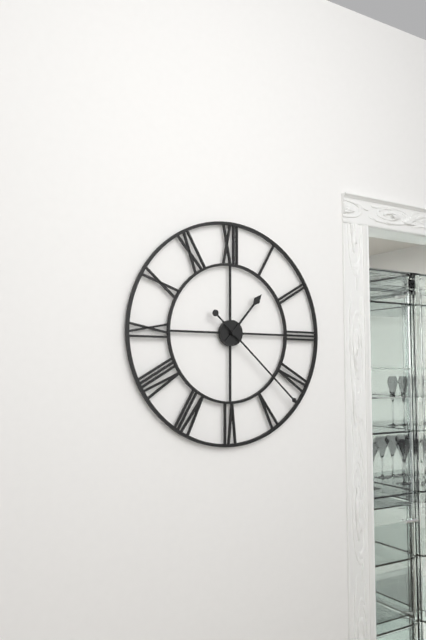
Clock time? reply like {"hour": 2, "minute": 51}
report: {"hour": 1, "minute": 22}
